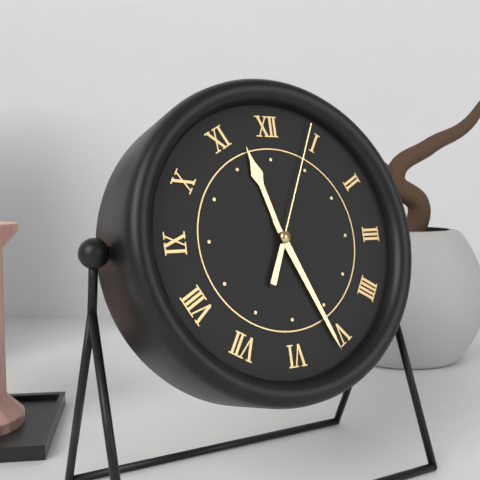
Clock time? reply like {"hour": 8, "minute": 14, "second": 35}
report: {"hour": 11, "minute": 26, "second": 4}
